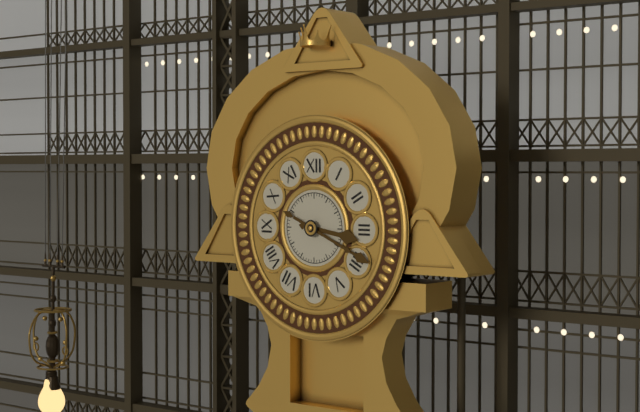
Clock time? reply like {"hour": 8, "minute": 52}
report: {"hour": 3, "minute": 19}
